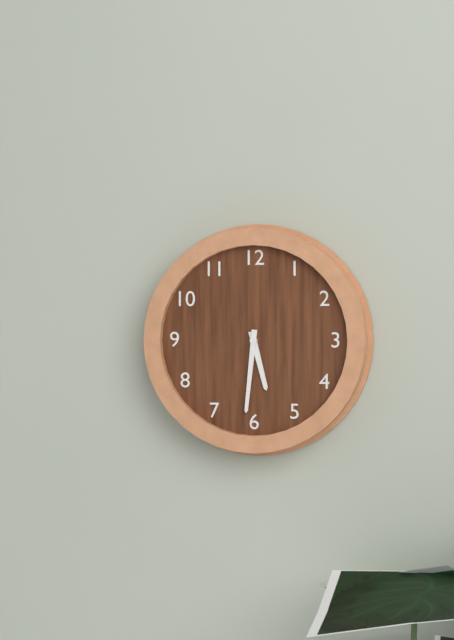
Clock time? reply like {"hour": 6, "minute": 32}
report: {"hour": 5, "minute": 31}
